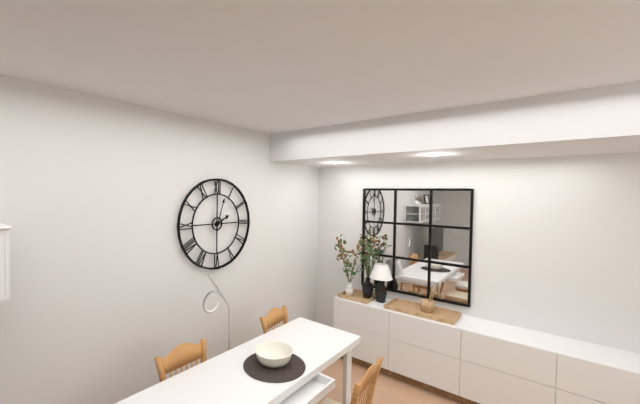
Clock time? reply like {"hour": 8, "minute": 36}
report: {"hour": 2, "minute": 3}
